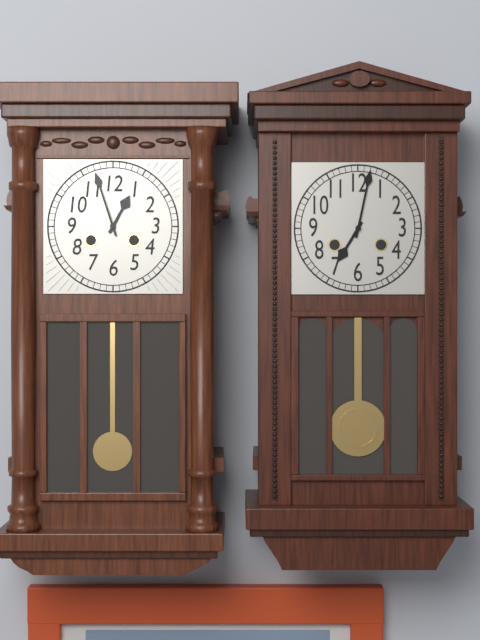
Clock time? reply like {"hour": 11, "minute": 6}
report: {"hour": 12, "minute": 57}
